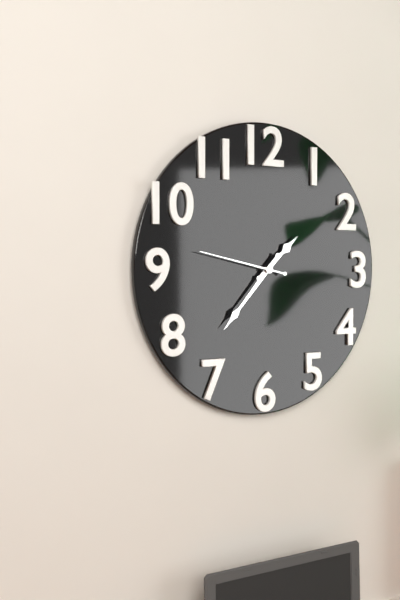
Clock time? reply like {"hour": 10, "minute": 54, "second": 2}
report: {"hour": 1, "minute": 37, "second": 47}
